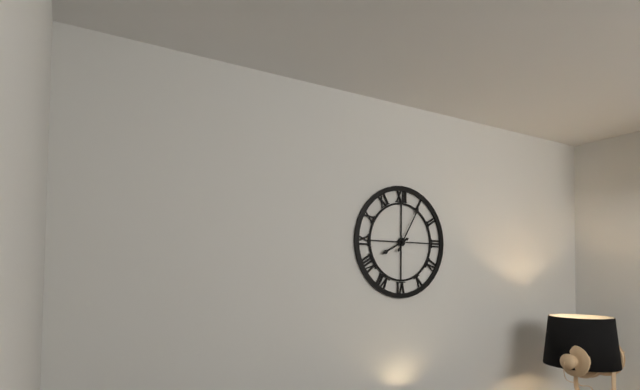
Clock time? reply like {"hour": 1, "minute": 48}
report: {"hour": 8, "minute": 5}
